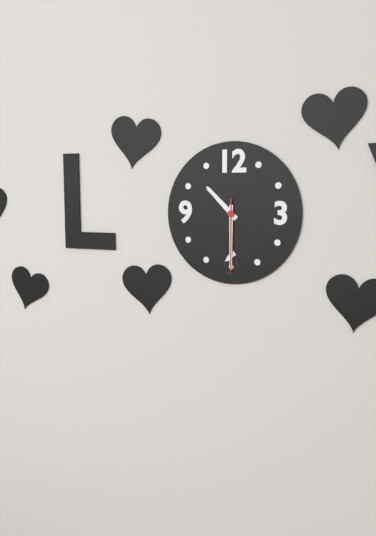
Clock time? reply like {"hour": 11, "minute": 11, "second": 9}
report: {"hour": 10, "minute": 30, "second": 30}
